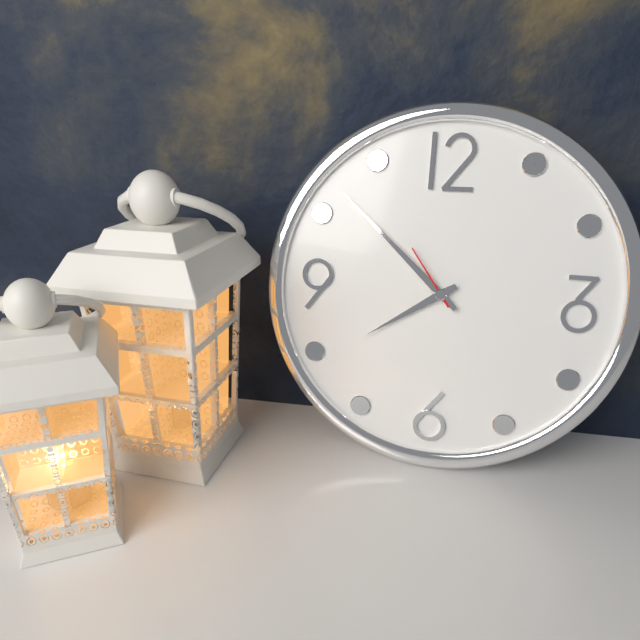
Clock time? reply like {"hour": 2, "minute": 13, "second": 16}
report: {"hour": 7, "minute": 52, "second": 54}
